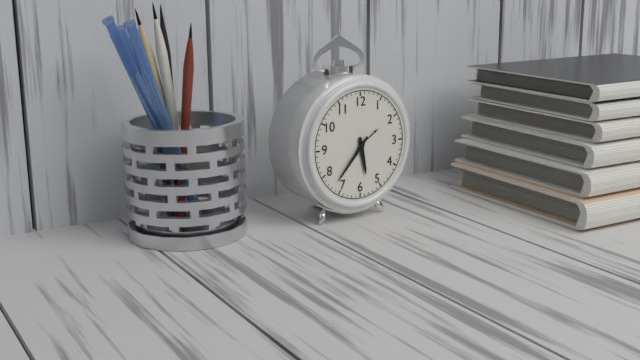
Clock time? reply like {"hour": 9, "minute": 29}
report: {"hour": 5, "minute": 37}
